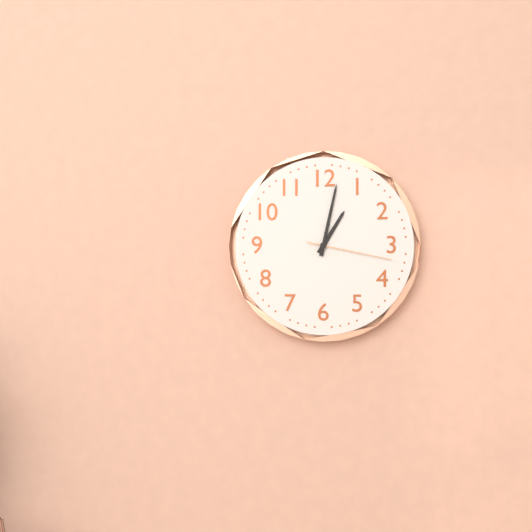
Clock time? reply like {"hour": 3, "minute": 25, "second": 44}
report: {"hour": 1, "minute": 2, "second": 17}
